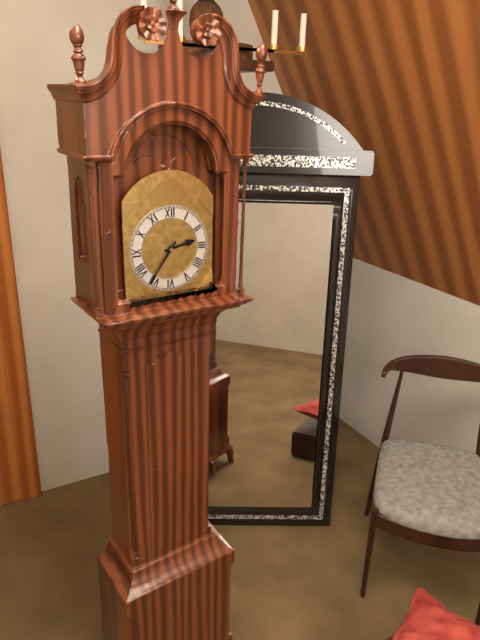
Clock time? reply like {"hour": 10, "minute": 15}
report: {"hour": 2, "minute": 36}
